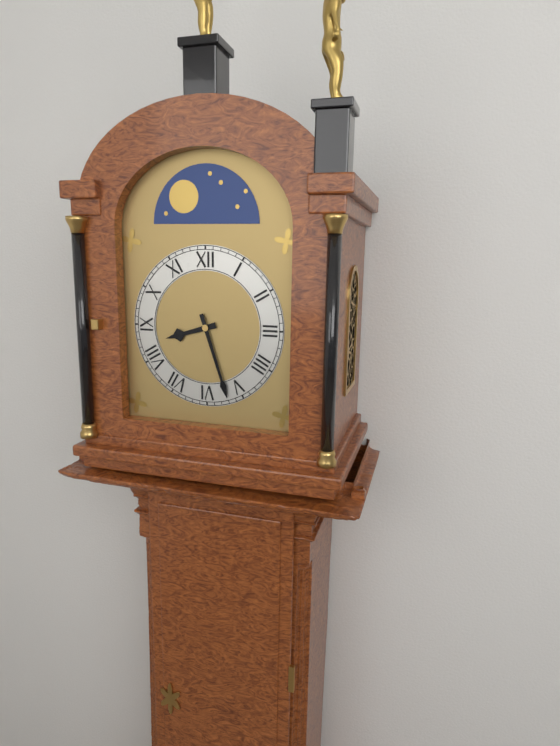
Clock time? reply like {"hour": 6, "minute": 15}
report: {"hour": 8, "minute": 27}
